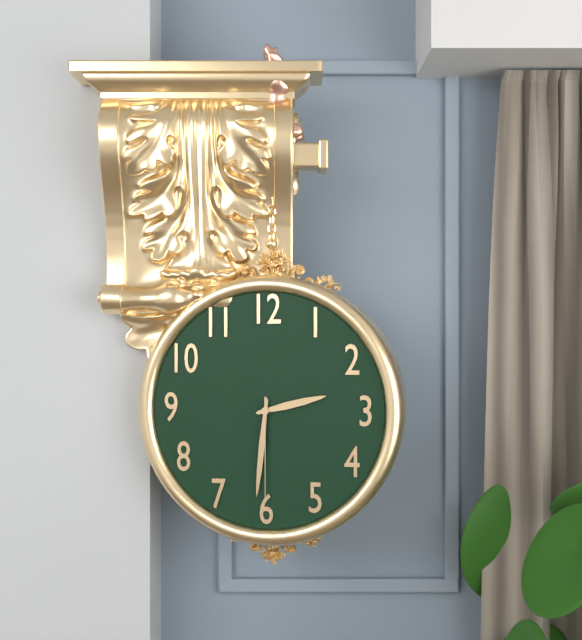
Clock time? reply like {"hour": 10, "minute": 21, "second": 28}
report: {"hour": 2, "minute": 31, "second": 30}
